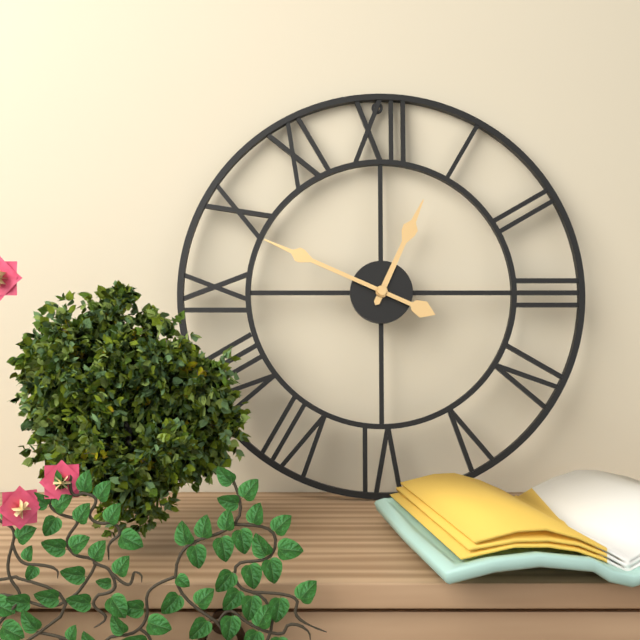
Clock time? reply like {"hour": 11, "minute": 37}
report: {"hour": 12, "minute": 49}
